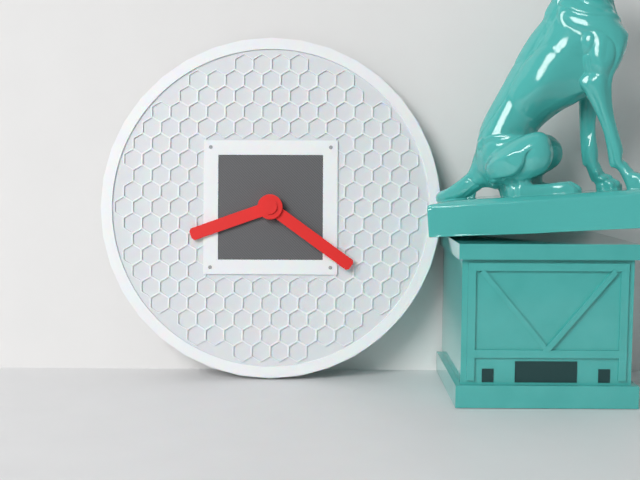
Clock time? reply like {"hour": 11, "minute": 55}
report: {"hour": 8, "minute": 21}
